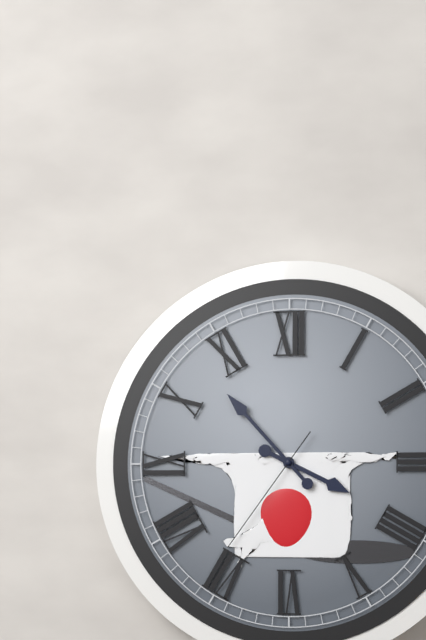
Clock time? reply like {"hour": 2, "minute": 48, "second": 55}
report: {"hour": 3, "minute": 53, "second": 36}
